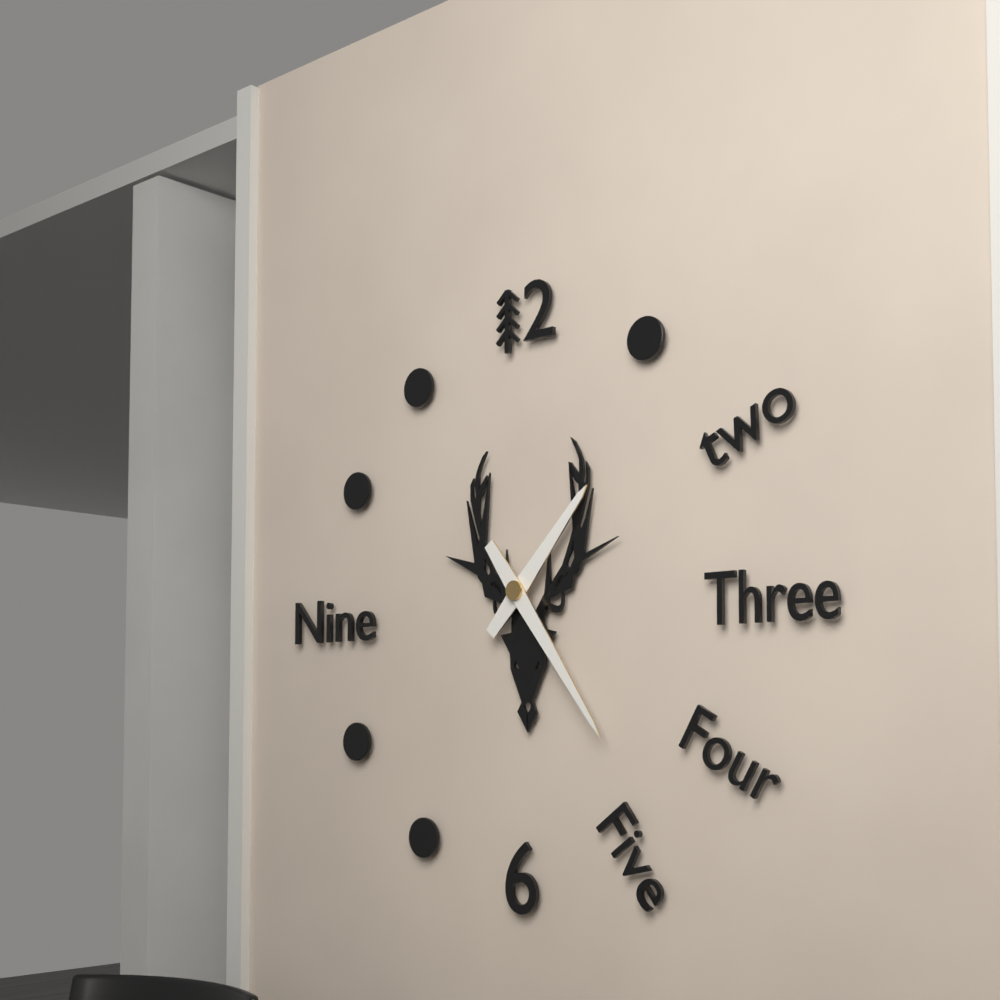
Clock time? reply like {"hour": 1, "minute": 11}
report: {"hour": 1, "minute": 24}
